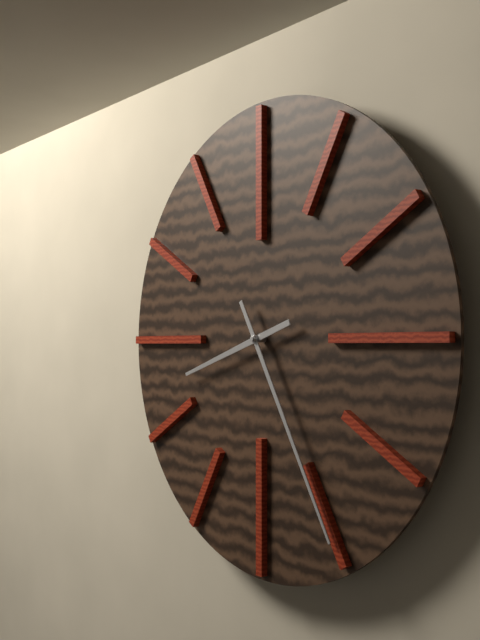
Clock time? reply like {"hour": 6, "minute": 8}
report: {"hour": 8, "minute": 25}
